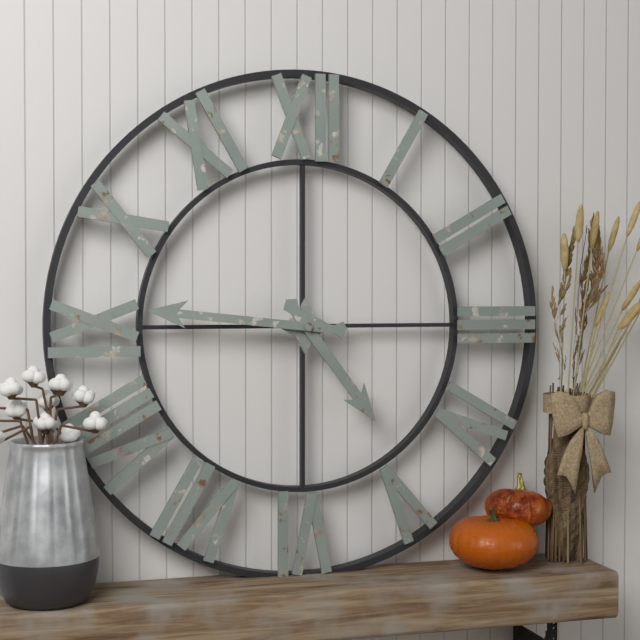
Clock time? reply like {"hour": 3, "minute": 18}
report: {"hour": 4, "minute": 46}
